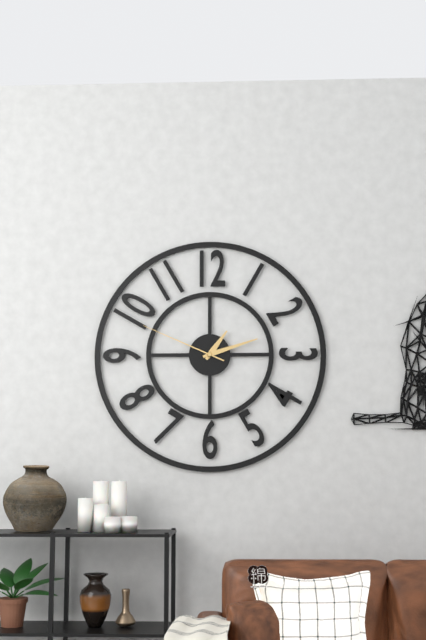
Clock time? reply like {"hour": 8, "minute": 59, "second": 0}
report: {"hour": 1, "minute": 12, "second": 49}
